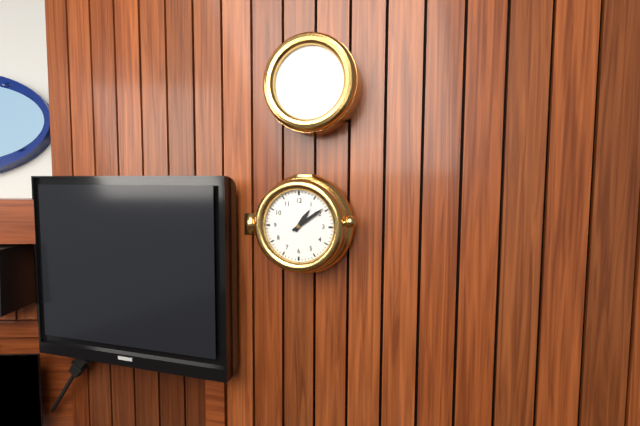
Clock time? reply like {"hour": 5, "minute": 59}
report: {"hour": 1, "minute": 9}
